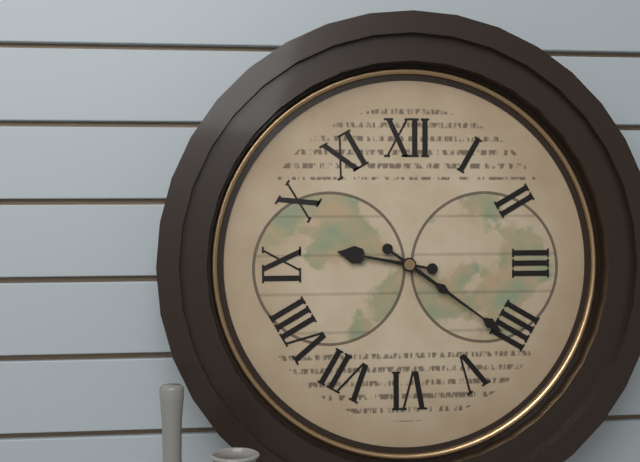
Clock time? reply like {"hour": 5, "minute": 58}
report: {"hour": 9, "minute": 21}
